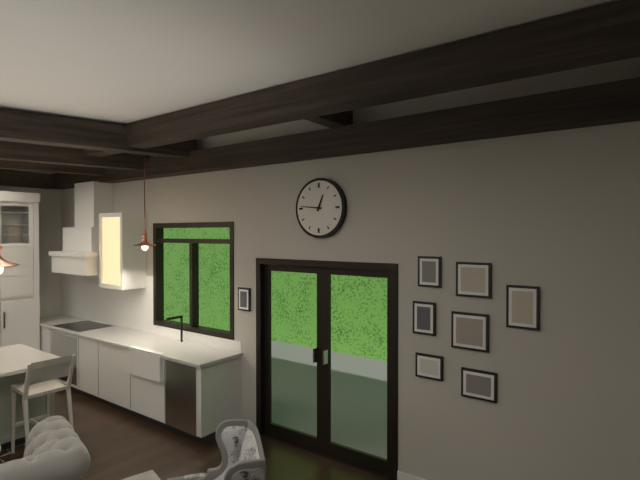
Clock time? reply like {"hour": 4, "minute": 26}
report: {"hour": 12, "minute": 46}
